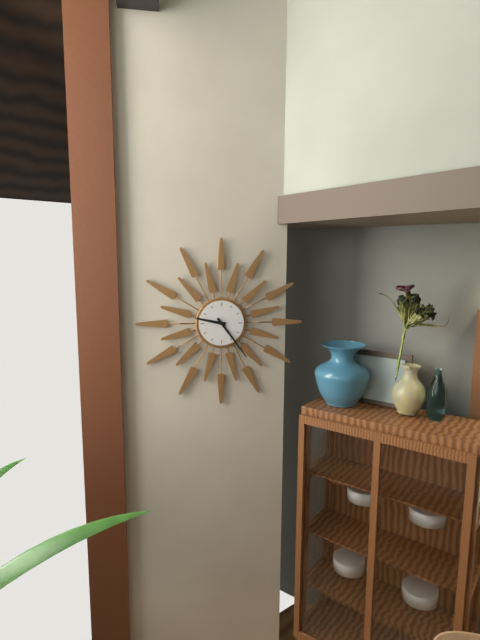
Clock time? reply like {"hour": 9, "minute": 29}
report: {"hour": 9, "minute": 24}
